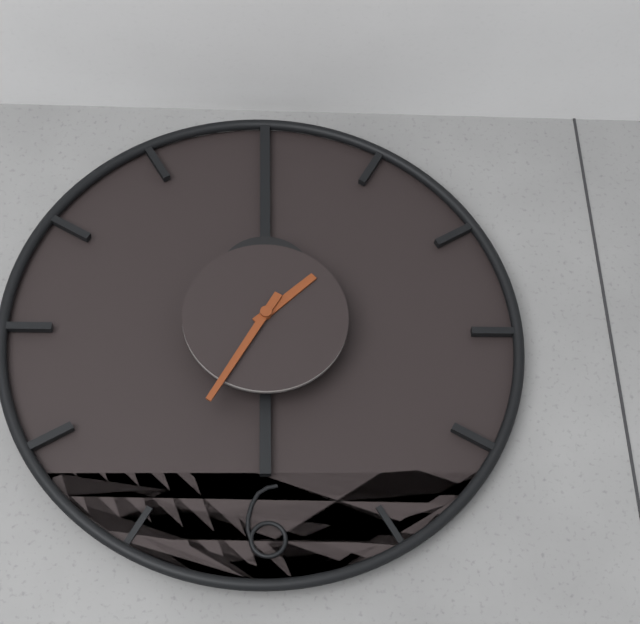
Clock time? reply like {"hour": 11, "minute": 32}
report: {"hour": 1, "minute": 35}
